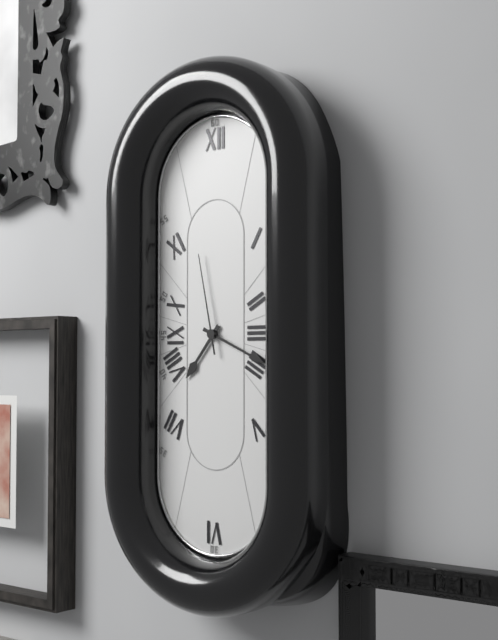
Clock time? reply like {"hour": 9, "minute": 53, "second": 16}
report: {"hour": 7, "minute": 19, "second": 58}
